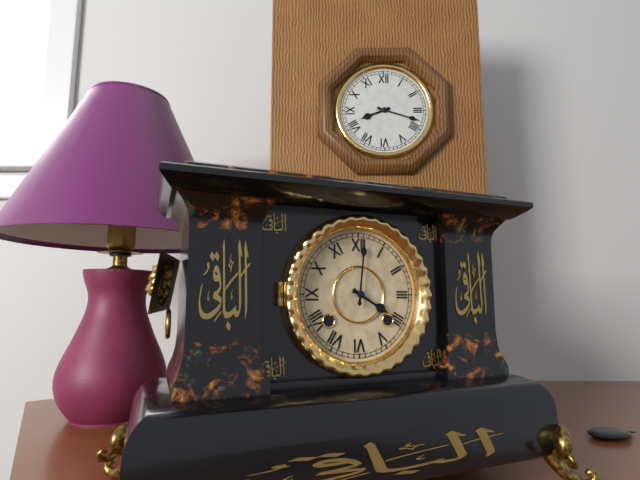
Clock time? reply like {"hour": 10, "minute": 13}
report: {"hour": 4, "minute": 1}
